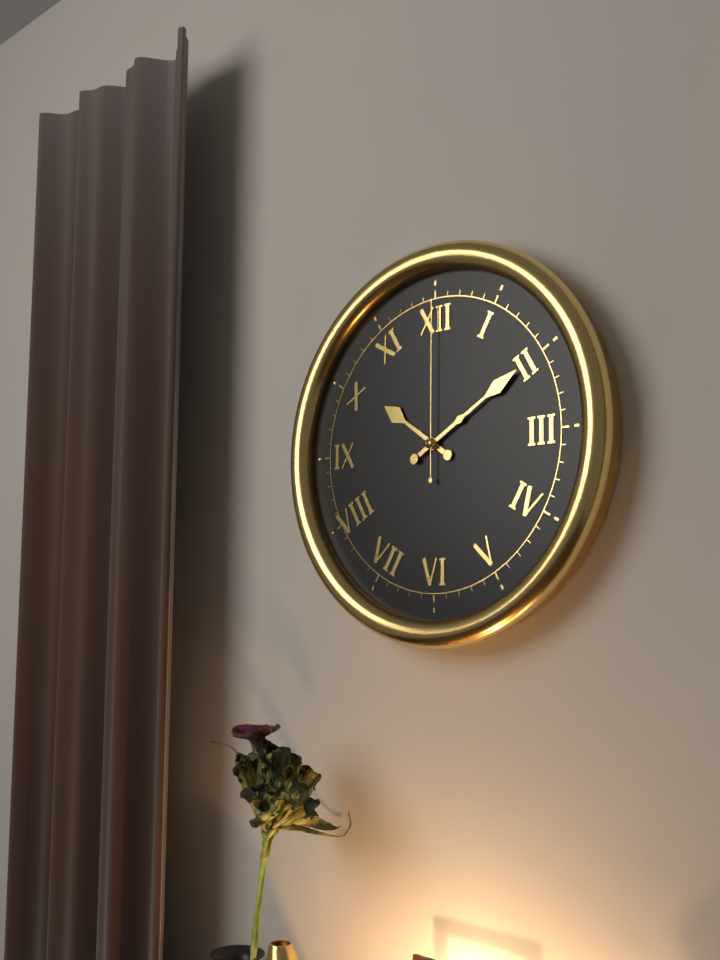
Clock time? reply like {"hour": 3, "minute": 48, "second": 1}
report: {"hour": 10, "minute": 10, "second": 0}
